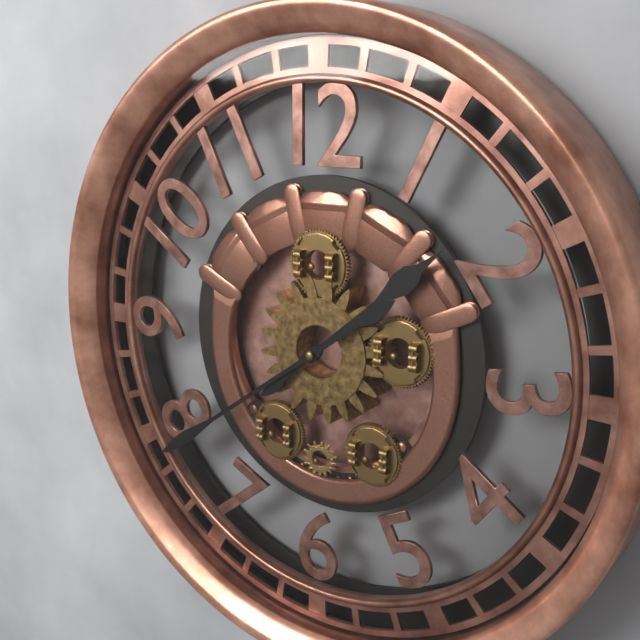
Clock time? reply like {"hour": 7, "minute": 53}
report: {"hour": 1, "minute": 39}
